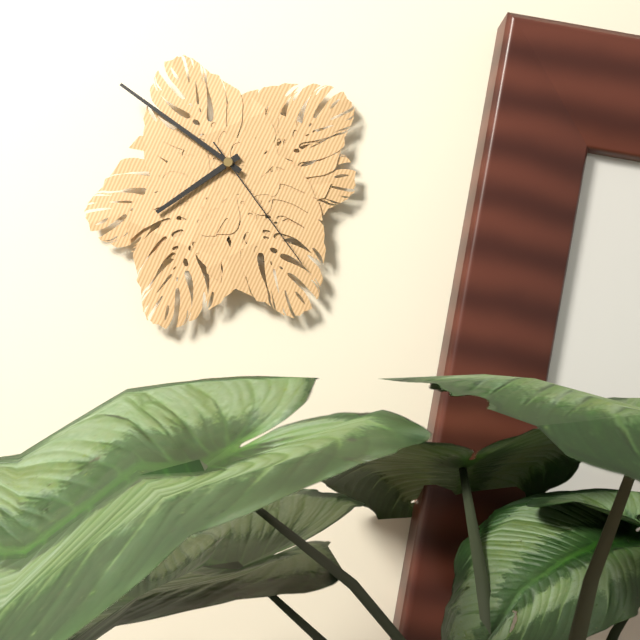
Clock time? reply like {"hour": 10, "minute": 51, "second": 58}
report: {"hour": 7, "minute": 51, "second": 24}
